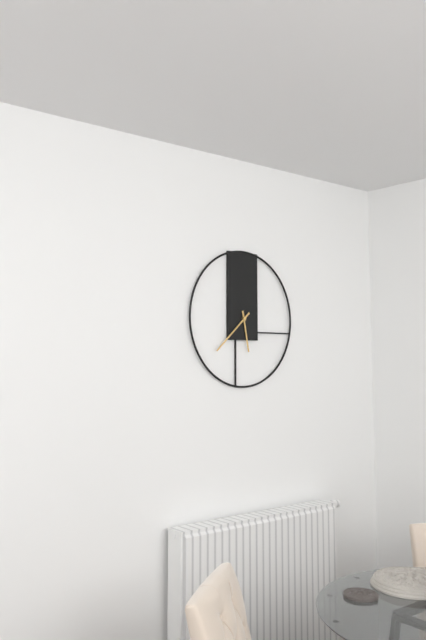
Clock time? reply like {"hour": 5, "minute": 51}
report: {"hour": 5, "minute": 38}
